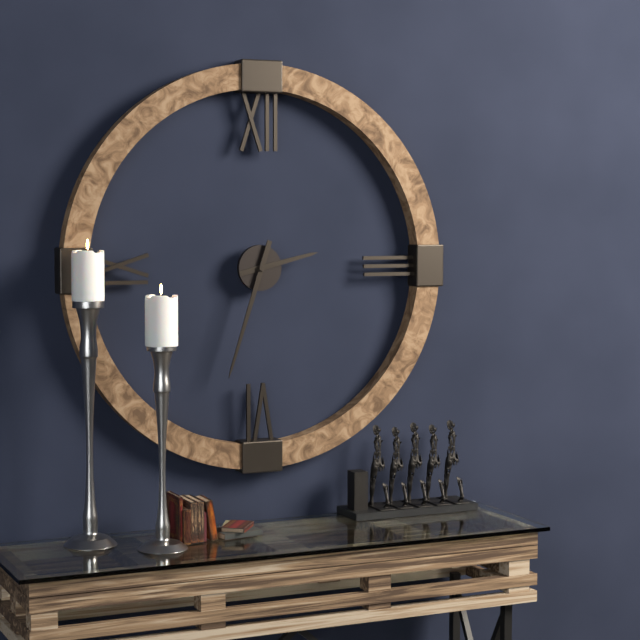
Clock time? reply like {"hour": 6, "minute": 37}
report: {"hour": 2, "minute": 33}
